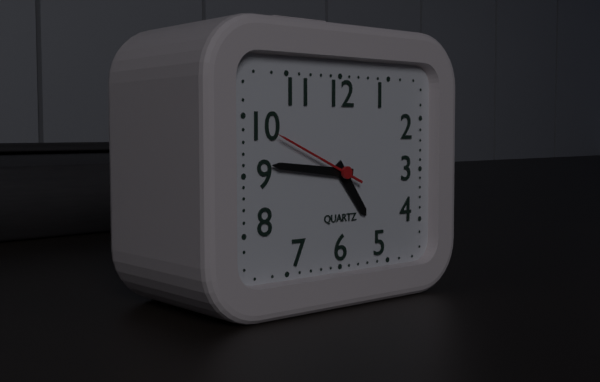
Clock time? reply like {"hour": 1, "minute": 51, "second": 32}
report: {"hour": 4, "minute": 46, "second": 49}
